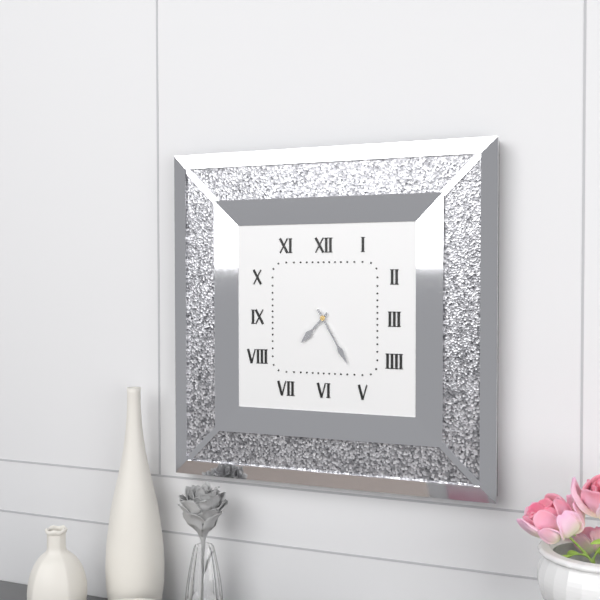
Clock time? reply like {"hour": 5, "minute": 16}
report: {"hour": 7, "minute": 25}
